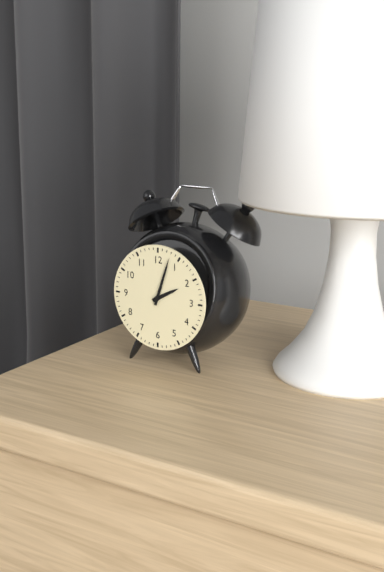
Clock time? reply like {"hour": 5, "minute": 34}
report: {"hour": 2, "minute": 3}
